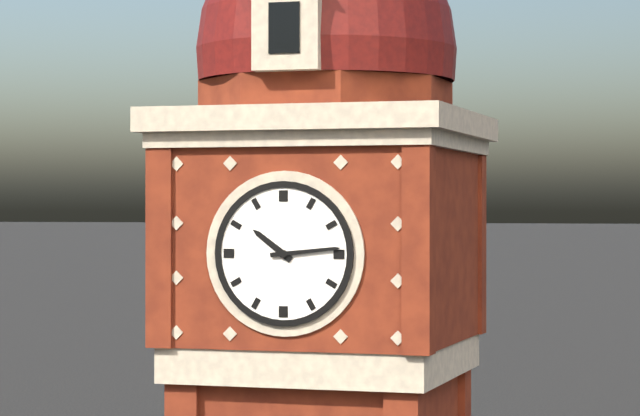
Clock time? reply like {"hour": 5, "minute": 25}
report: {"hour": 10, "minute": 14}
